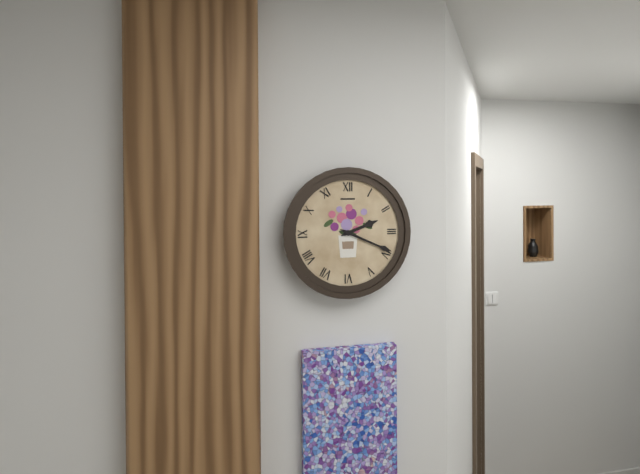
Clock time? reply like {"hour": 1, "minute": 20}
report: {"hour": 2, "minute": 19}
